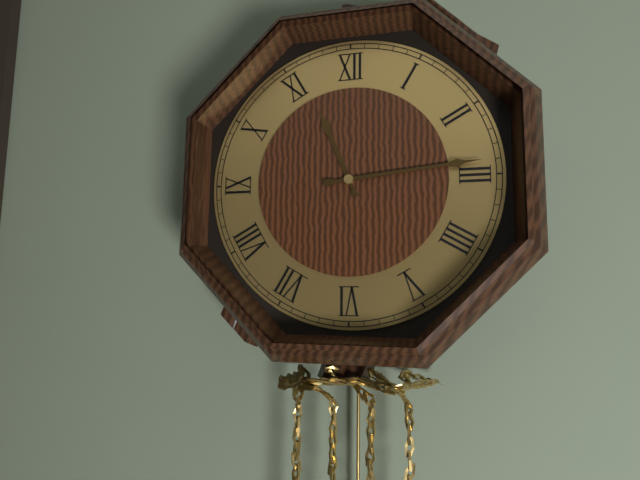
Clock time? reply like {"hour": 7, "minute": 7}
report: {"hour": 11, "minute": 14}
